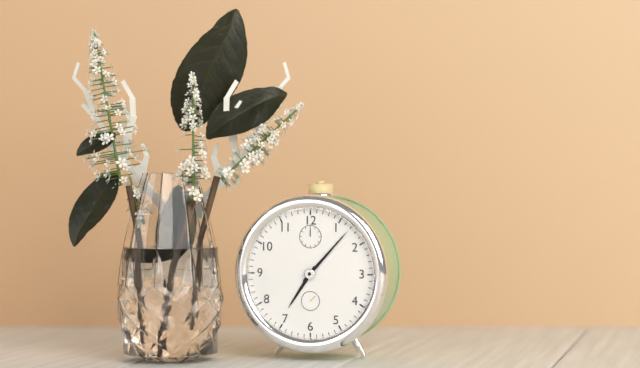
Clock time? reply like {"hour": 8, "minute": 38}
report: {"hour": 7, "minute": 7}
